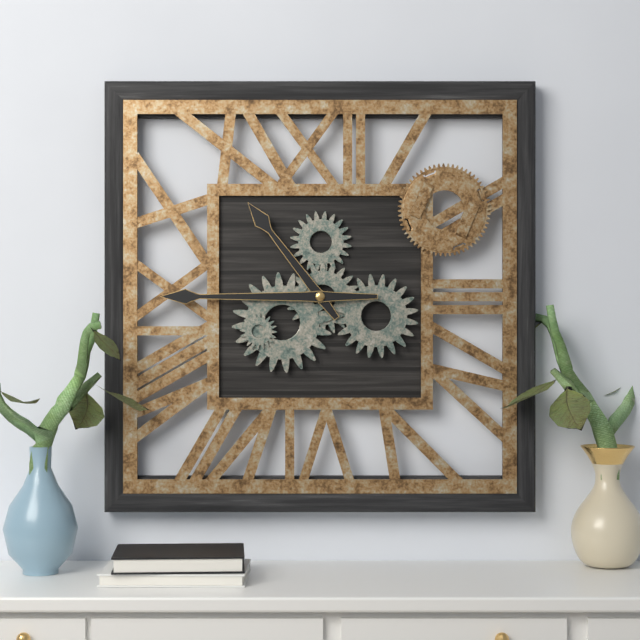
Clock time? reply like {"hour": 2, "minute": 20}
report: {"hour": 10, "minute": 45}
